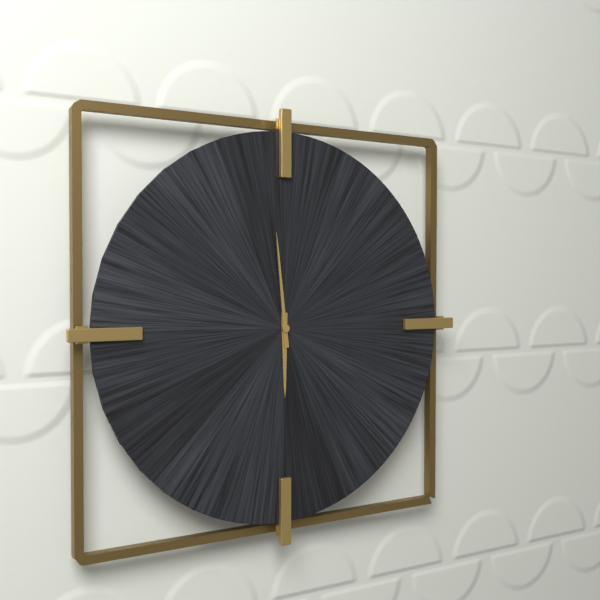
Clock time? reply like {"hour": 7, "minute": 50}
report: {"hour": 5, "minute": 59}
